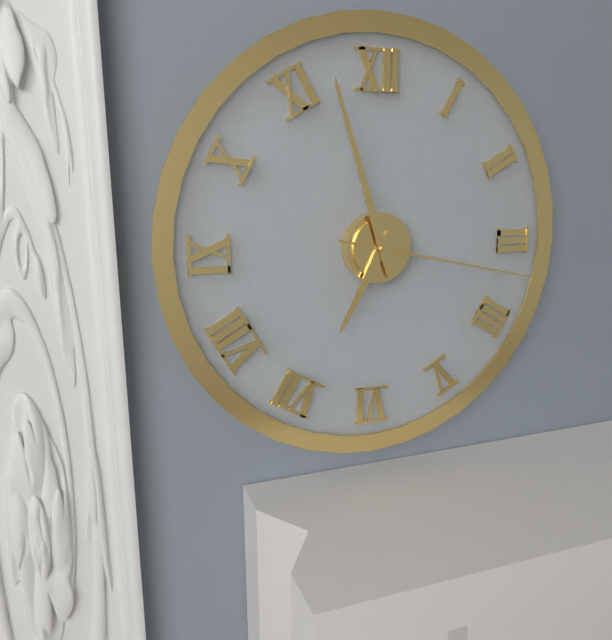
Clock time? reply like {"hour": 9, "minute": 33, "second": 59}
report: {"hour": 6, "minute": 57, "second": 17}
